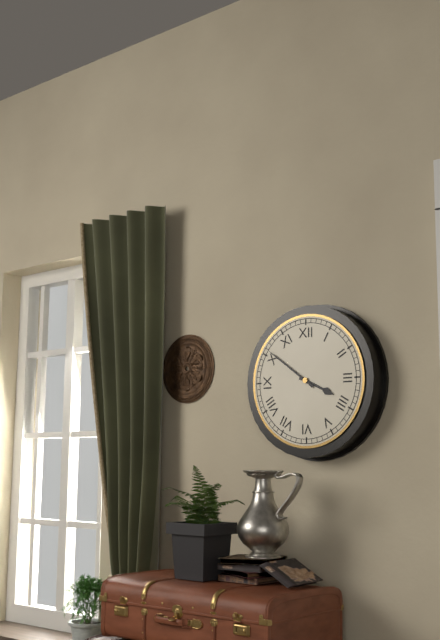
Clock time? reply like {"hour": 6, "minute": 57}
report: {"hour": 3, "minute": 51}
